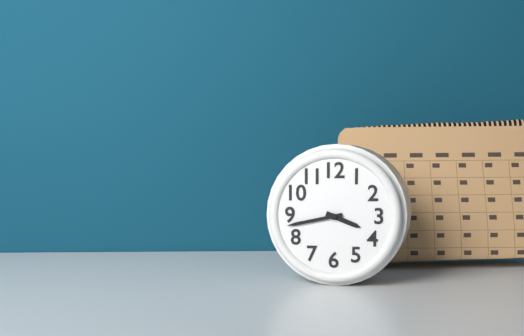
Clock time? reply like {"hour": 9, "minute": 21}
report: {"hour": 3, "minute": 43}
